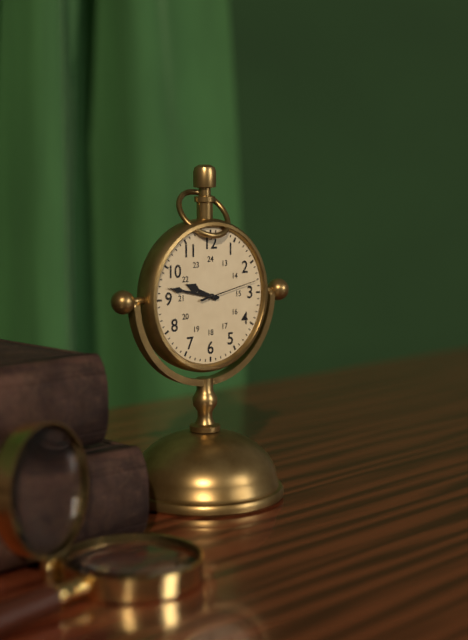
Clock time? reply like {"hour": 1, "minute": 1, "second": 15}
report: {"hour": 9, "minute": 47, "second": 13}
